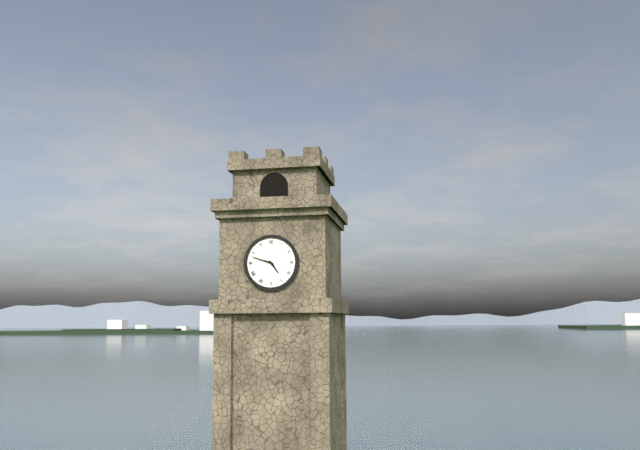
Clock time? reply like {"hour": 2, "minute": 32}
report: {"hour": 4, "minute": 48}
